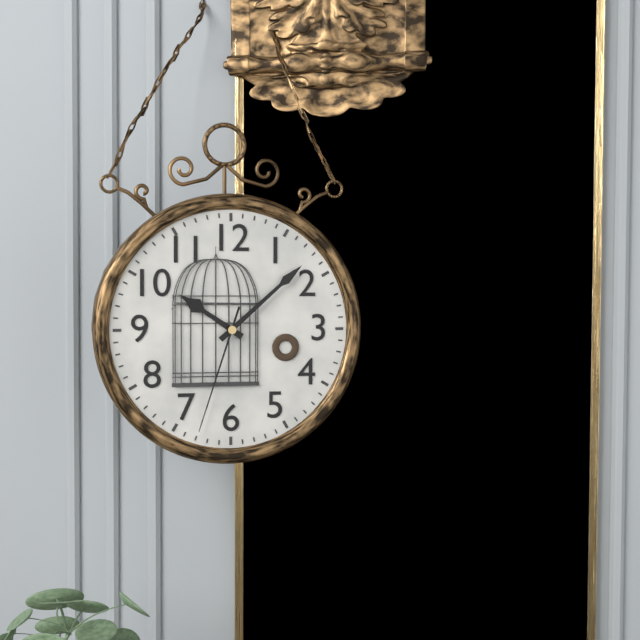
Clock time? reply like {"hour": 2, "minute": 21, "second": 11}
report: {"hour": 10, "minute": 8, "second": 33}
